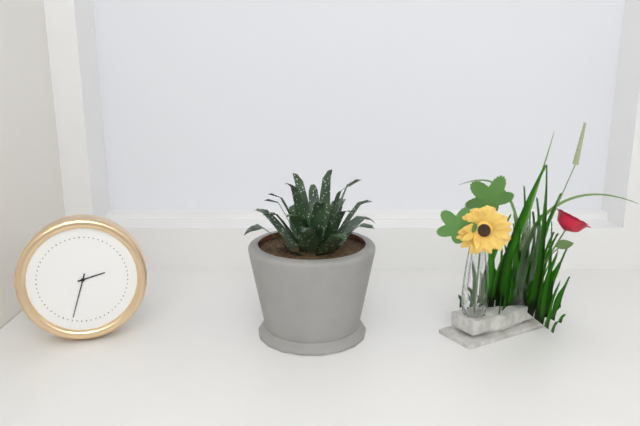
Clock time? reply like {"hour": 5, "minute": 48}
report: {"hour": 2, "minute": 33}
